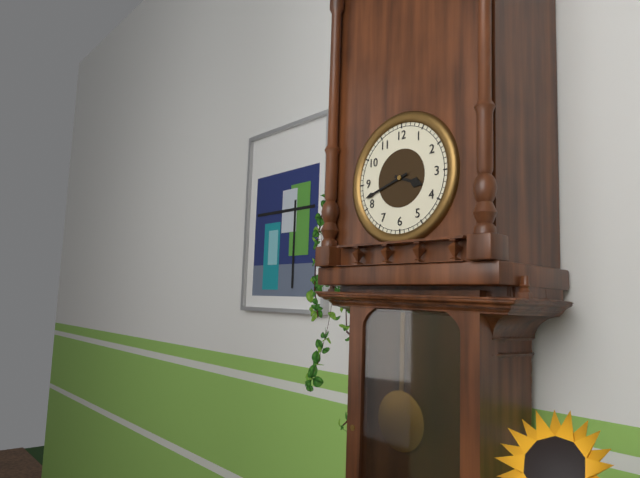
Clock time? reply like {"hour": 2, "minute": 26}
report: {"hour": 3, "minute": 42}
